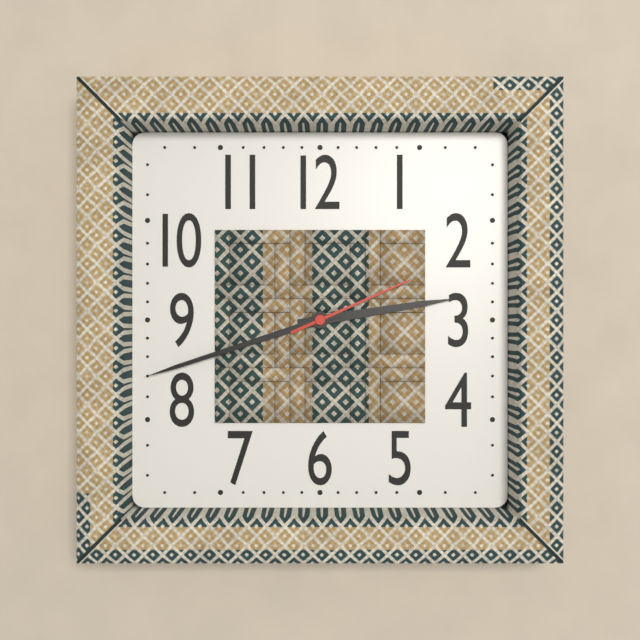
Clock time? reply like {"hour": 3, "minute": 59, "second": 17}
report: {"hour": 2, "minute": 42, "second": 11}
